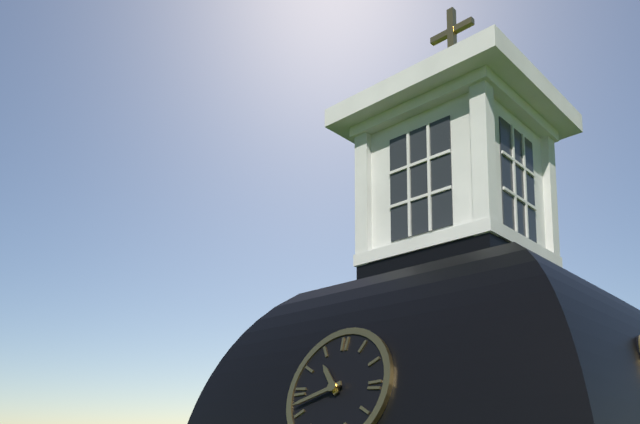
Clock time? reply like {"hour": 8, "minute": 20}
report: {"hour": 10, "minute": 42}
